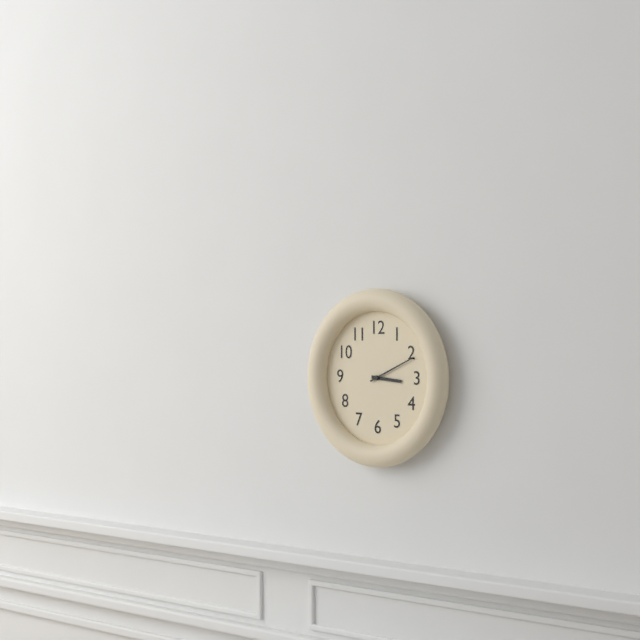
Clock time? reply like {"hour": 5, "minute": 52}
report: {"hour": 3, "minute": 11}
